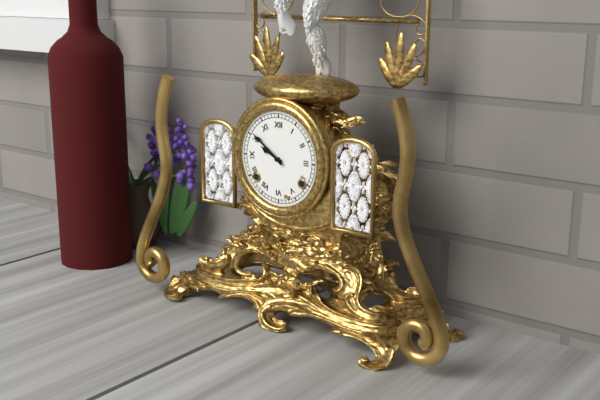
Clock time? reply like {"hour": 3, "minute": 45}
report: {"hour": 9, "minute": 51}
